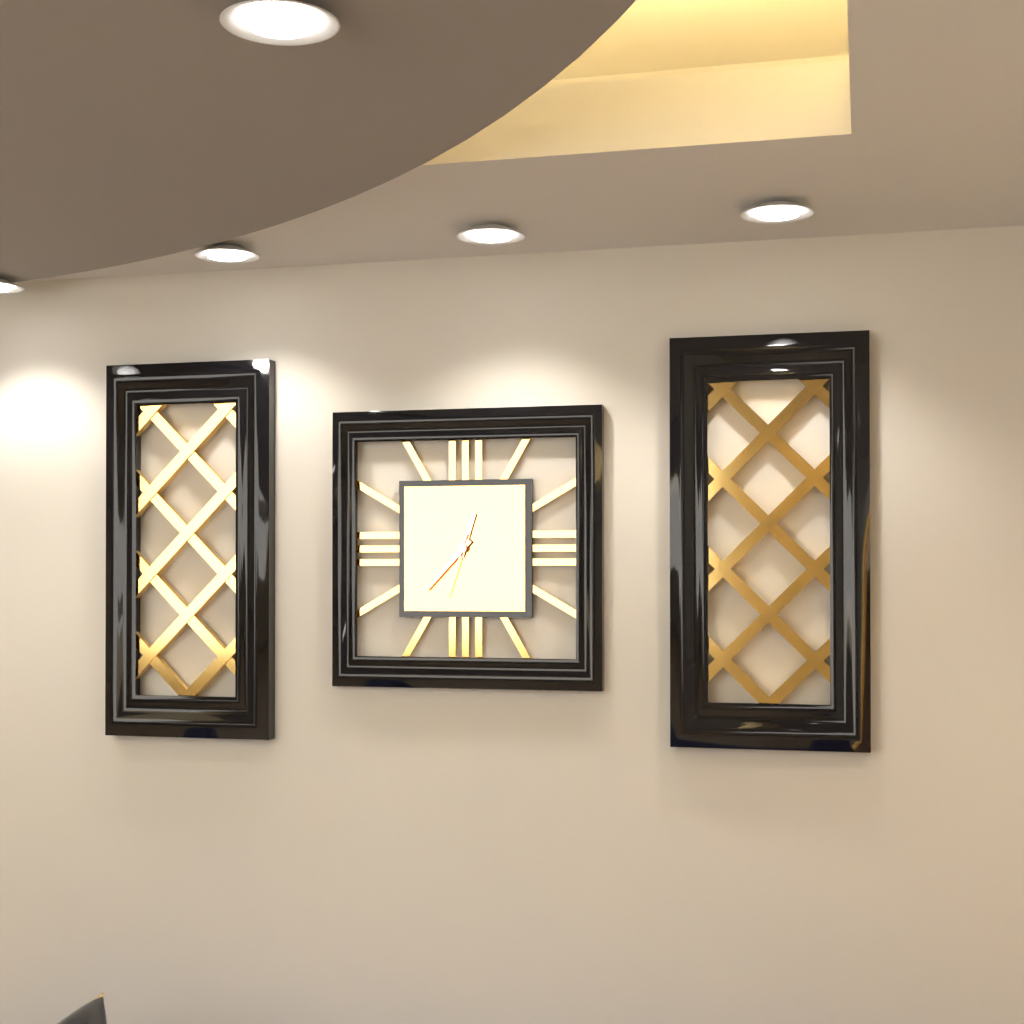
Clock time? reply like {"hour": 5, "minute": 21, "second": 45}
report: {"hour": 12, "minute": 37, "second": 33}
